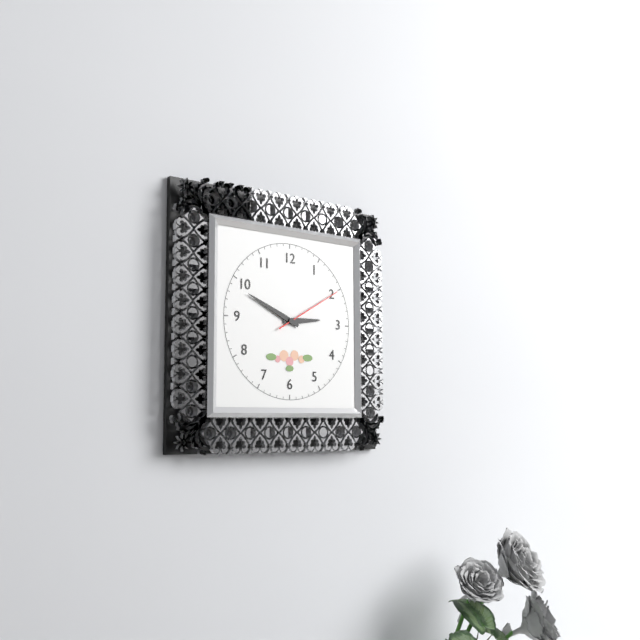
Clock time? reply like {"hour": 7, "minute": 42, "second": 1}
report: {"hour": 2, "minute": 49, "second": 10}
